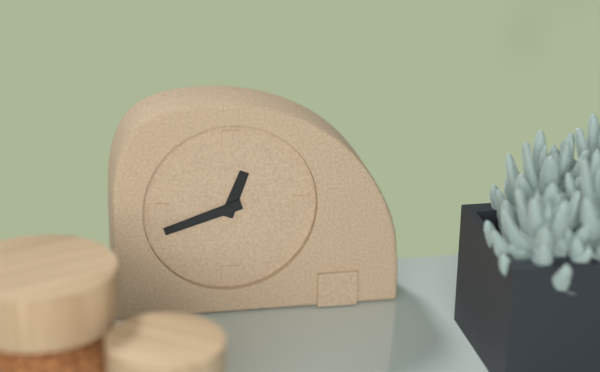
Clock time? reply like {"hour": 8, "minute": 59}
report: {"hour": 12, "minute": 42}
